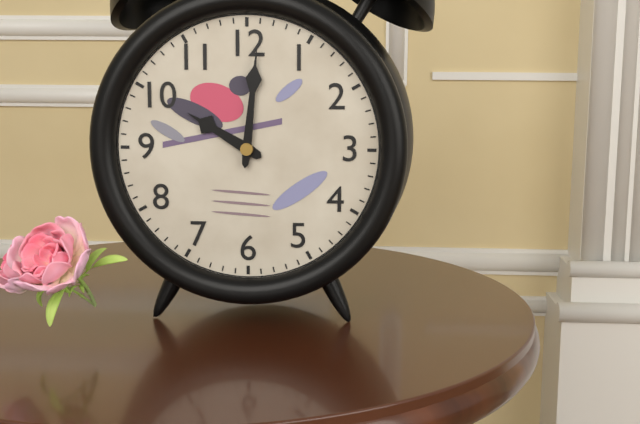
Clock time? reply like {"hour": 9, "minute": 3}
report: {"hour": 10, "minute": 1}
